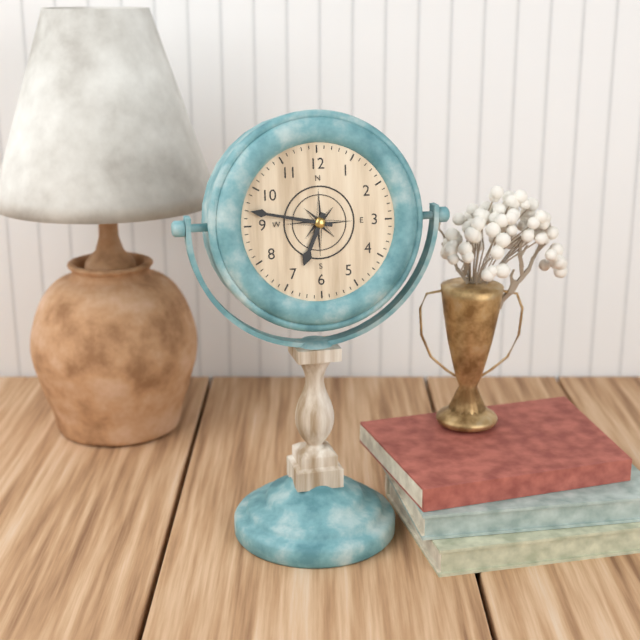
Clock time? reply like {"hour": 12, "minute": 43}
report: {"hour": 6, "minute": 47}
